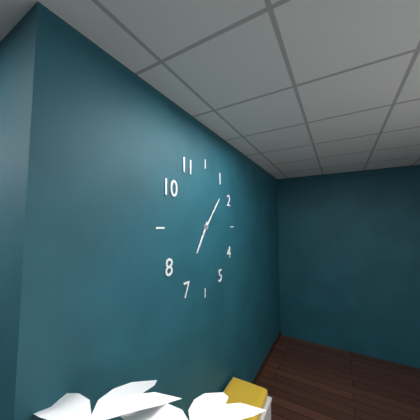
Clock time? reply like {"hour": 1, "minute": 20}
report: {"hour": 7, "minute": 7}
